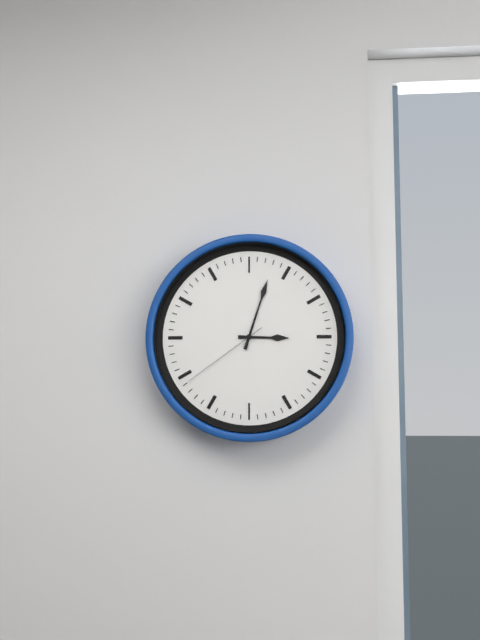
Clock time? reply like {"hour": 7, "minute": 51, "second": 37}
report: {"hour": 3, "minute": 3, "second": 39}
